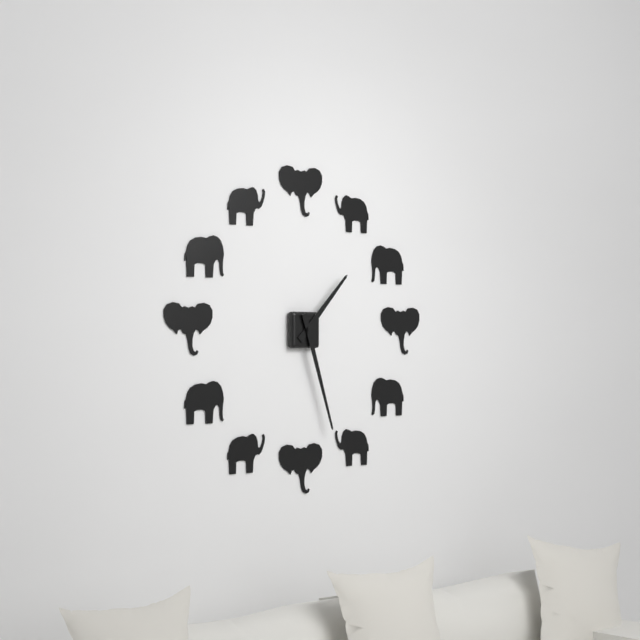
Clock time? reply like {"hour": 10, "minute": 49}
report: {"hour": 1, "minute": 27}
